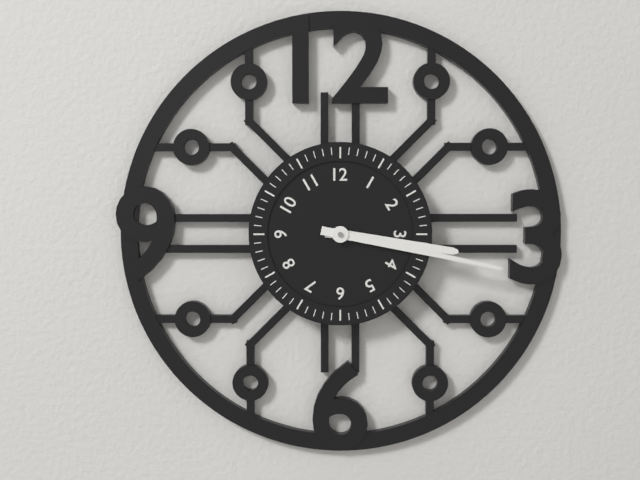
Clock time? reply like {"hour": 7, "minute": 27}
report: {"hour": 3, "minute": 17}
